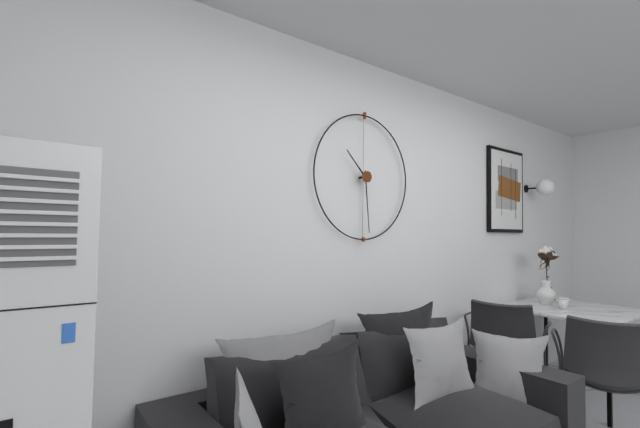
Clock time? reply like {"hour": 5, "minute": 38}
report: {"hour": 10, "minute": 29}
